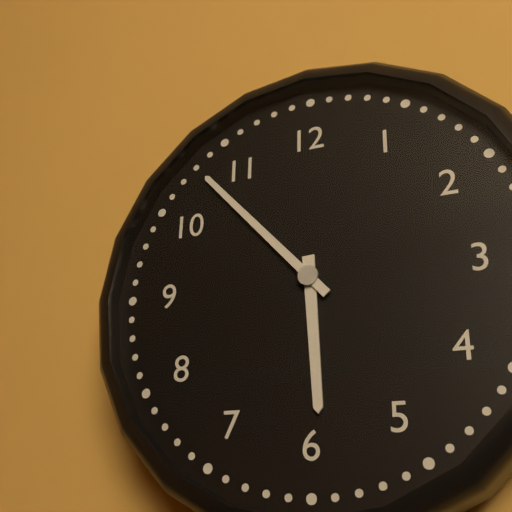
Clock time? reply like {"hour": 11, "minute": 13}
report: {"hour": 5, "minute": 53}
